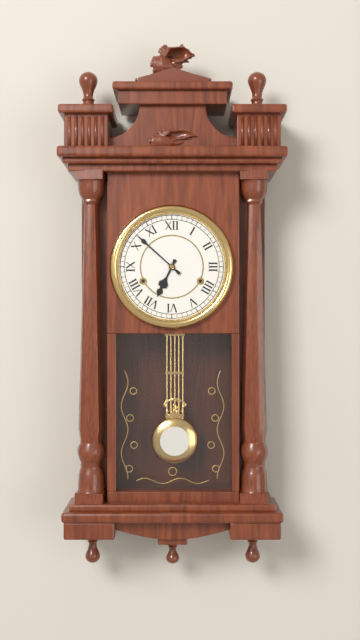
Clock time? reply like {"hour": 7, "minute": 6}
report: {"hour": 6, "minute": 52}
